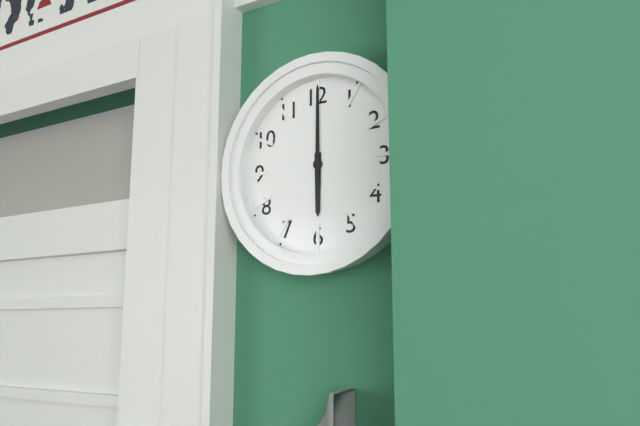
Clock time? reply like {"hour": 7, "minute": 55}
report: {"hour": 6, "minute": 0}
